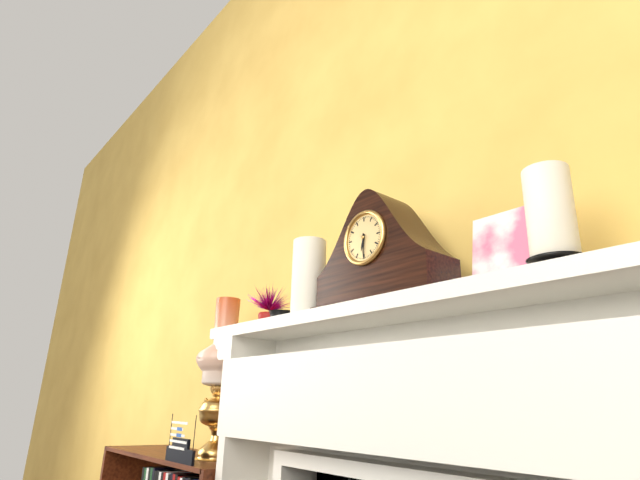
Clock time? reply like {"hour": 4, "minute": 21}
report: {"hour": 6, "minute": 30}
